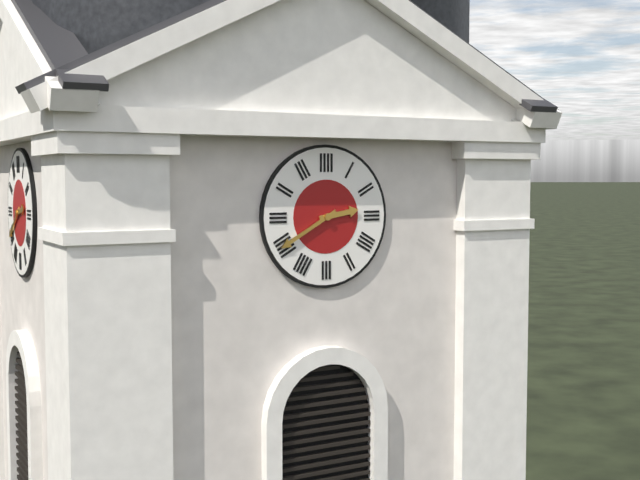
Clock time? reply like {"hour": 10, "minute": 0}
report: {"hour": 2, "minute": 40}
